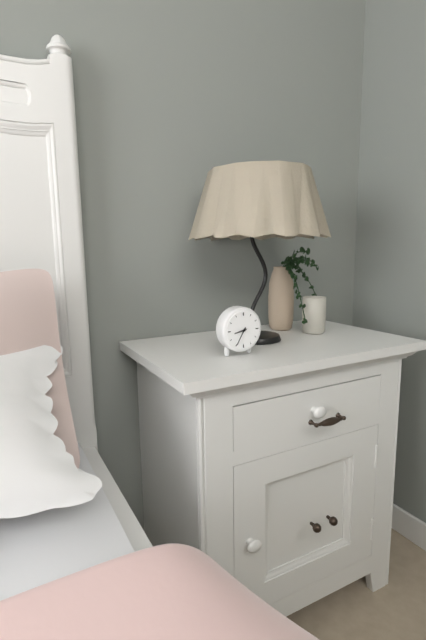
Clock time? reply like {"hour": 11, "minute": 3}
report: {"hour": 8, "minute": 35}
